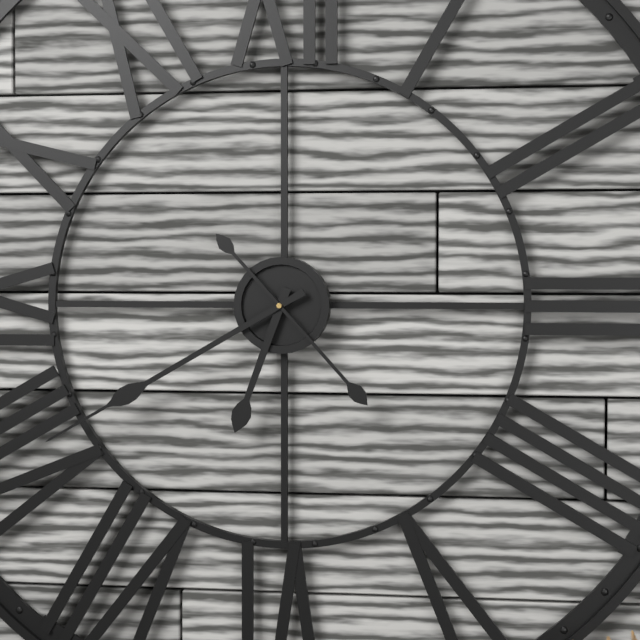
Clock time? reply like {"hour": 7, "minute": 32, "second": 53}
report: {"hour": 6, "minute": 40, "second": 23}
